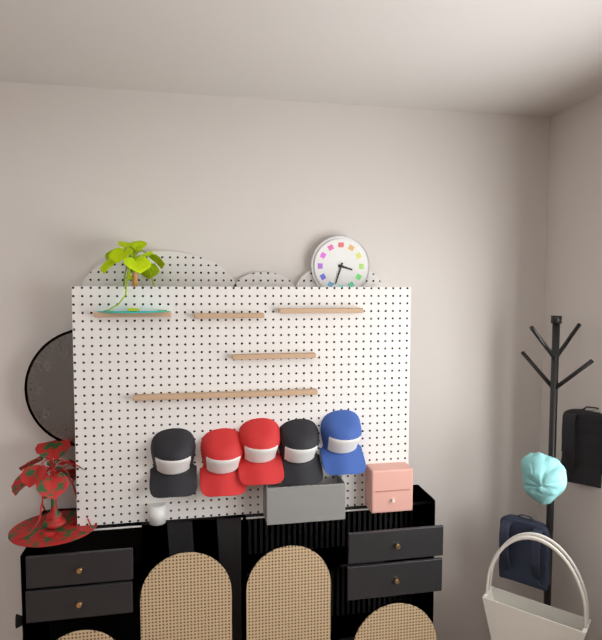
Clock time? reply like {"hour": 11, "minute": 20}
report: {"hour": 3, "minute": 33}
